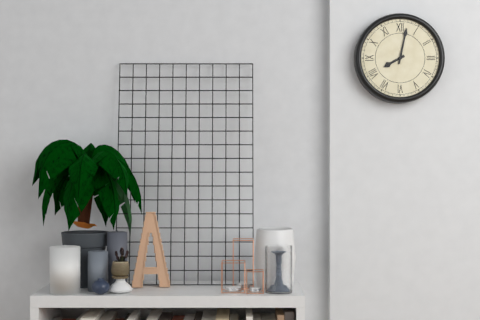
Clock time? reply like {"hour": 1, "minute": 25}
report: {"hour": 8, "minute": 2}
